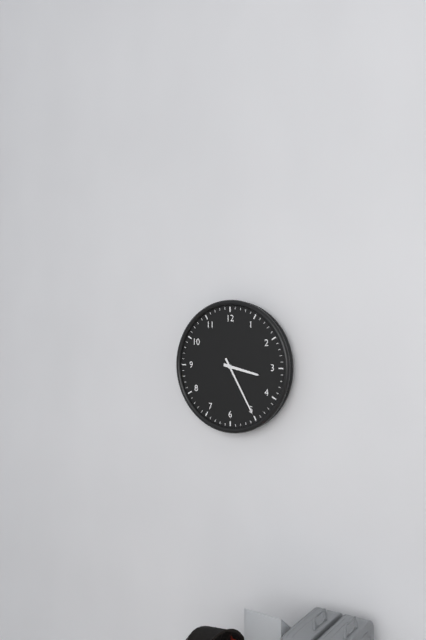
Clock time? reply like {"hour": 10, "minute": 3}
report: {"hour": 3, "minute": 25}
